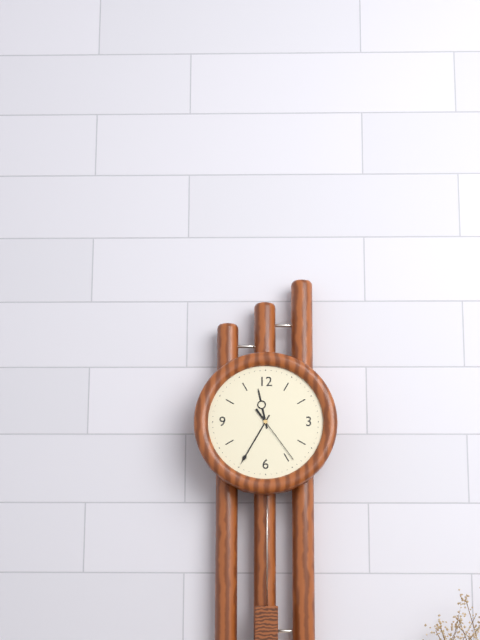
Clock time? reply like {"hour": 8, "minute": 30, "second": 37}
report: {"hour": 11, "minute": 35, "second": 24}
